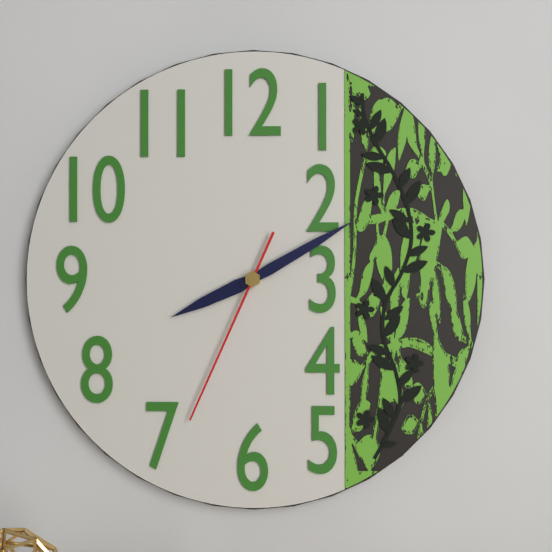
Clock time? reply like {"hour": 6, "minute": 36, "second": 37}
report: {"hour": 8, "minute": 10, "second": 34}
